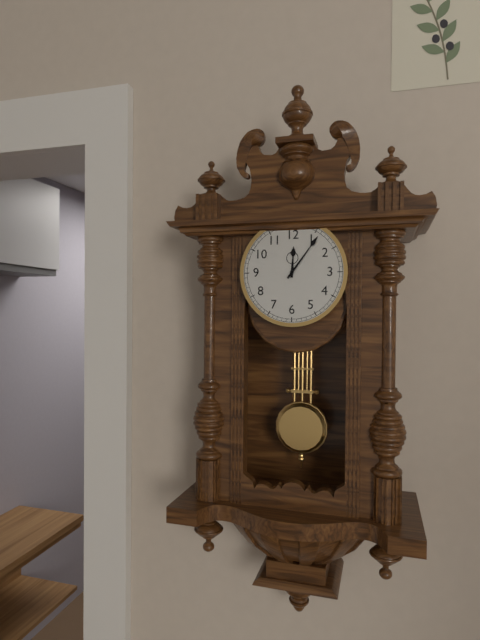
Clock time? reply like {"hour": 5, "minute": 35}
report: {"hour": 12, "minute": 6}
